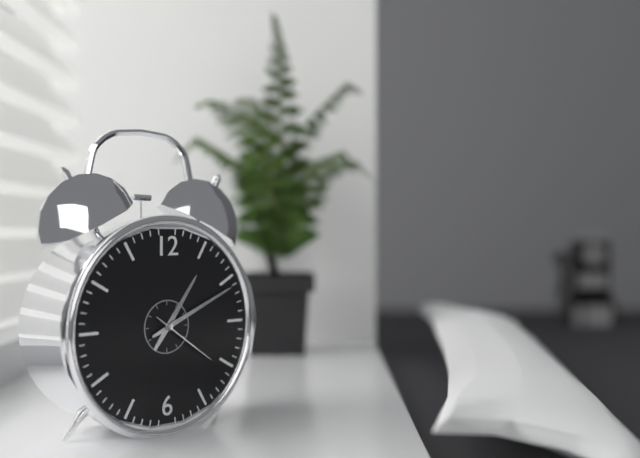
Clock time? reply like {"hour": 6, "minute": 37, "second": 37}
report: {"hour": 1, "minute": 11, "second": 21}
